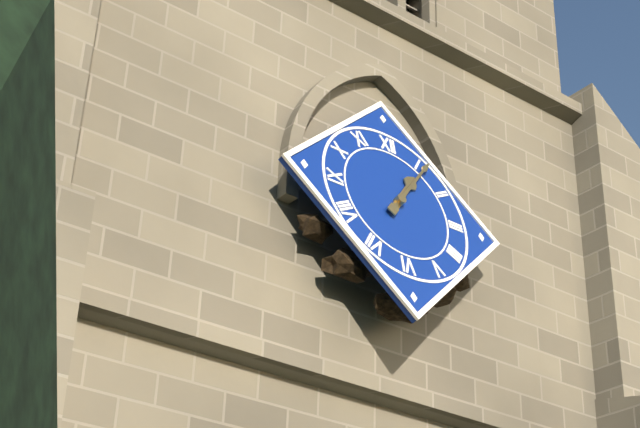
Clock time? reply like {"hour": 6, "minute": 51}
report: {"hour": 1, "minute": 6}
